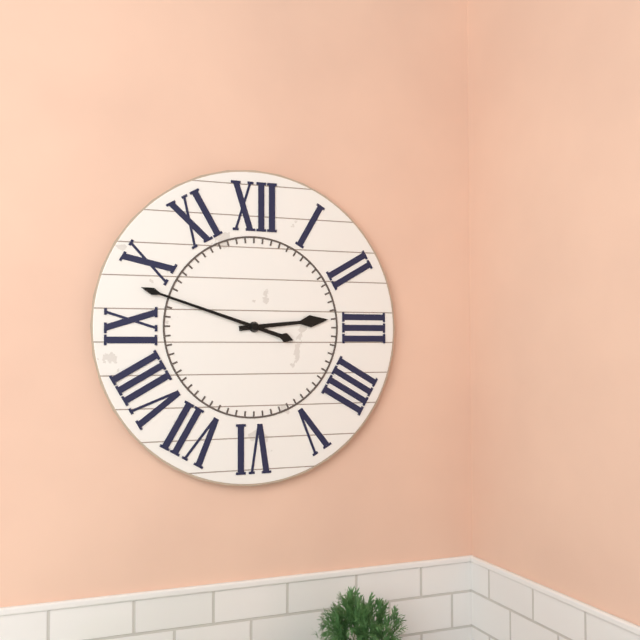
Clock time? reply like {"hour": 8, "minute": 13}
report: {"hour": 2, "minute": 48}
